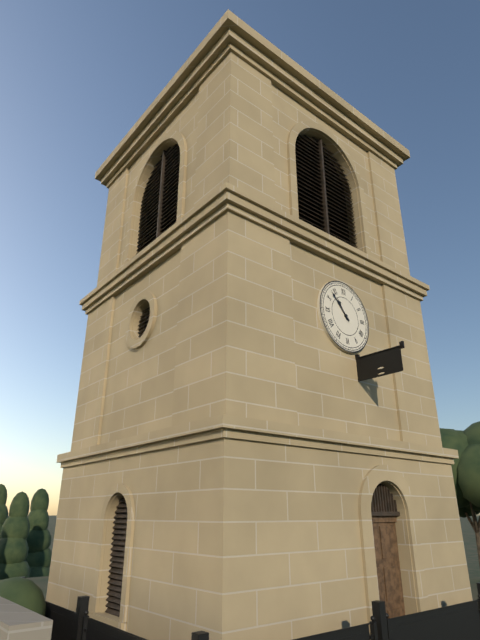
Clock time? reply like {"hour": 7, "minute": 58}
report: {"hour": 10, "minute": 53}
